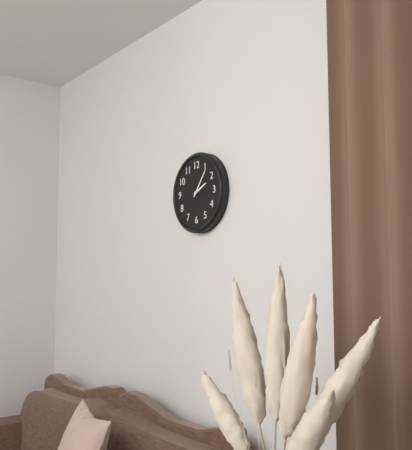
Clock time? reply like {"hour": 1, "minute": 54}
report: {"hour": 2, "minute": 6}
